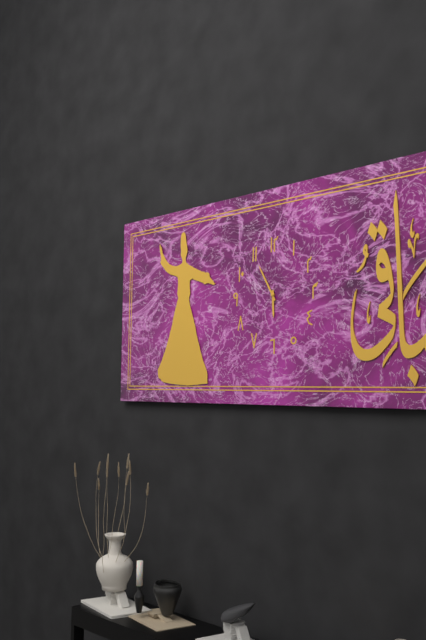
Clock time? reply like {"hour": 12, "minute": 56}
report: {"hour": 5, "minute": 55}
